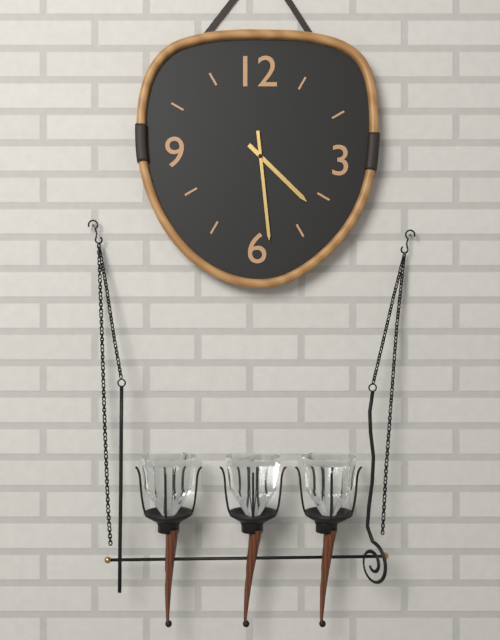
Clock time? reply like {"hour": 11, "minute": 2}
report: {"hour": 4, "minute": 29}
